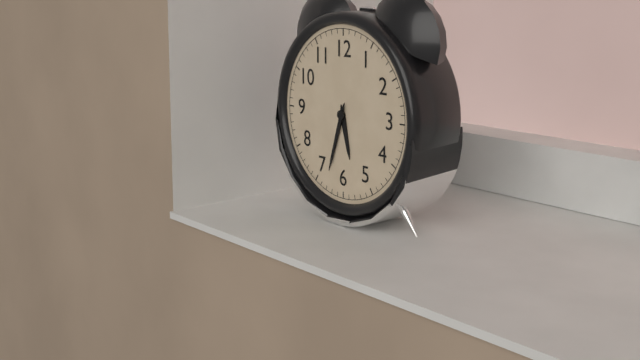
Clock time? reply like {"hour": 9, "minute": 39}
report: {"hour": 5, "minute": 33}
